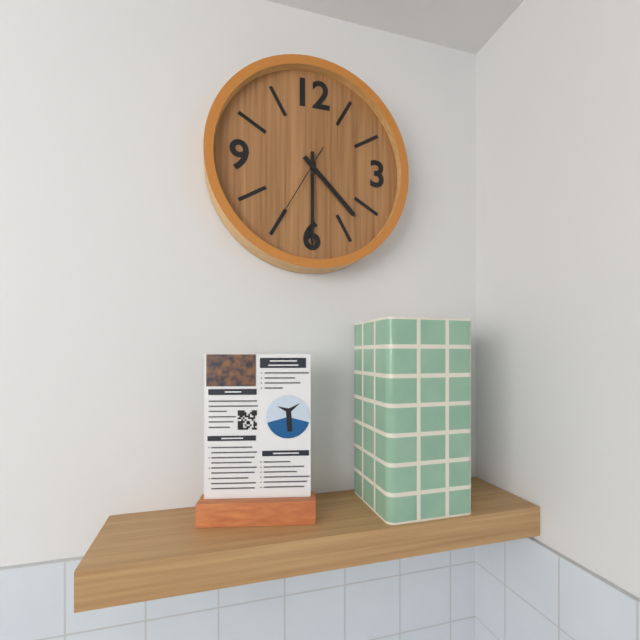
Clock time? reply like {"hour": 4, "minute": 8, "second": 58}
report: {"hour": 4, "minute": 30, "second": 35}
